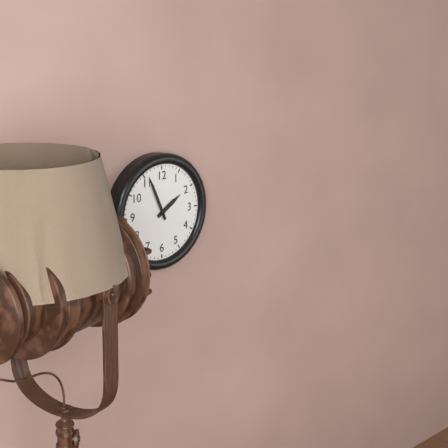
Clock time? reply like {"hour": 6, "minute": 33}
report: {"hour": 1, "minute": 56}
